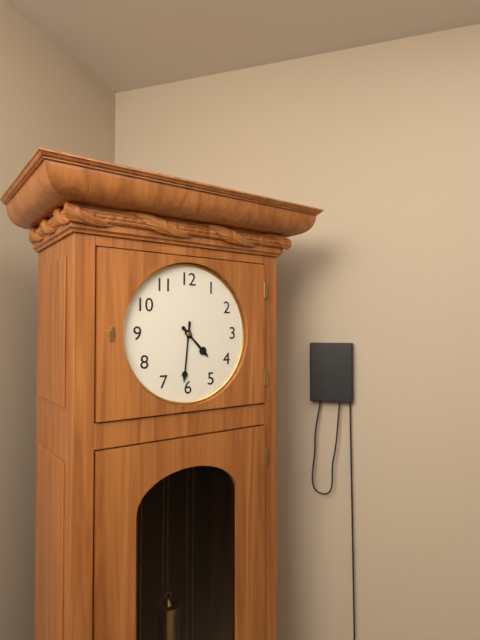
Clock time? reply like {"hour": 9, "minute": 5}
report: {"hour": 4, "minute": 31}
